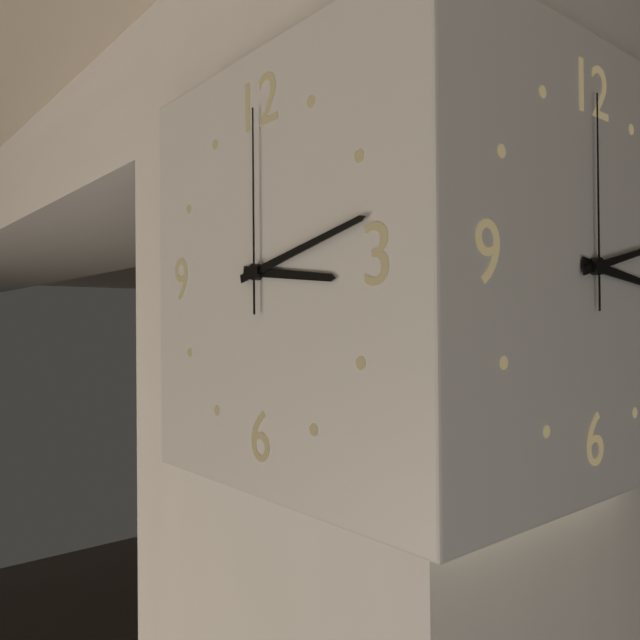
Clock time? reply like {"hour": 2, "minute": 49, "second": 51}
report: {"hour": 3, "minute": 13, "second": 0}
